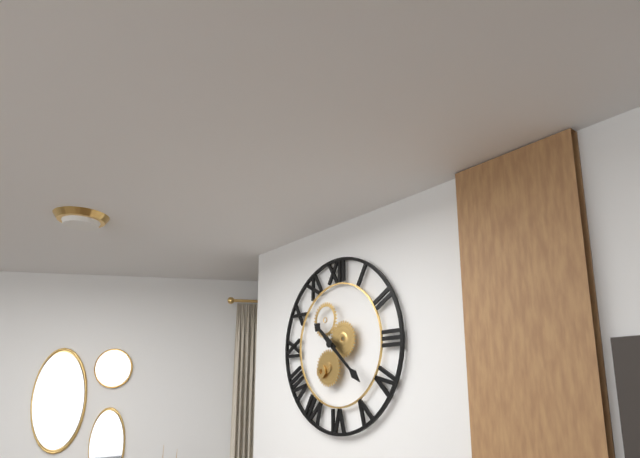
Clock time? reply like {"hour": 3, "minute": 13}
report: {"hour": 10, "minute": 22}
